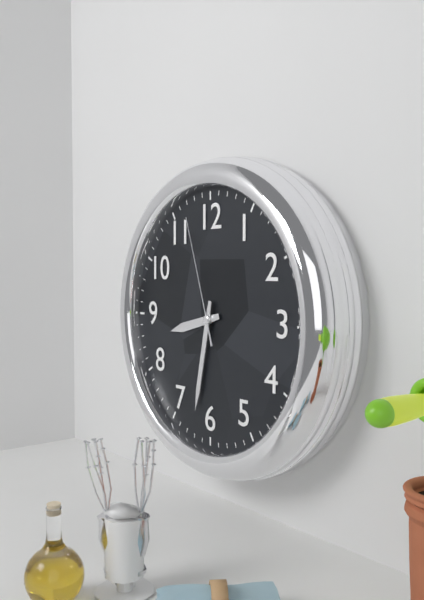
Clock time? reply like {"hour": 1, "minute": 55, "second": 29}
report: {"hour": 8, "minute": 32, "second": 57}
